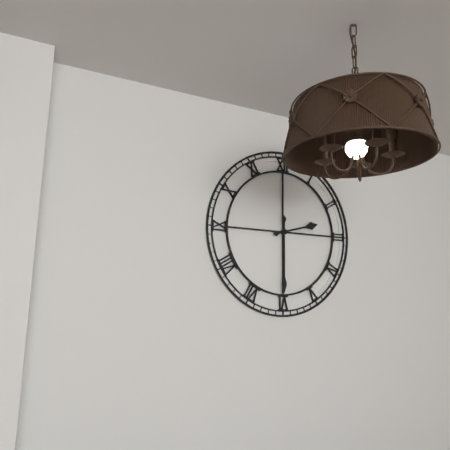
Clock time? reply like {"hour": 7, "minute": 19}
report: {"hour": 2, "minute": 30}
